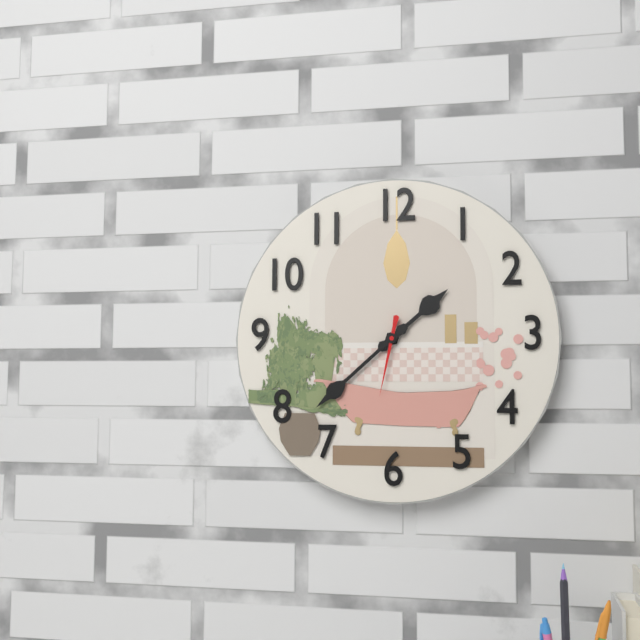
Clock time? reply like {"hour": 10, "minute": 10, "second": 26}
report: {"hour": 1, "minute": 38, "second": 32}
